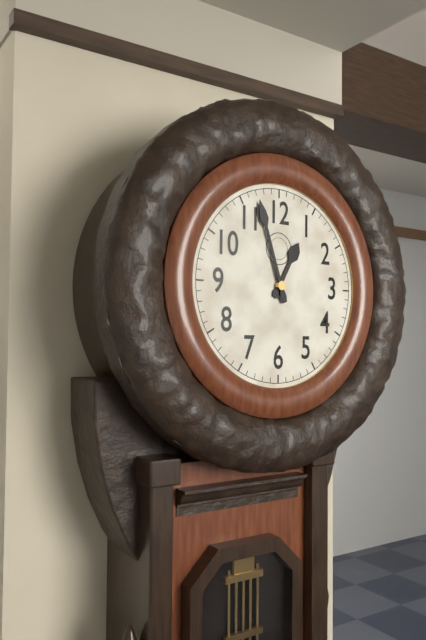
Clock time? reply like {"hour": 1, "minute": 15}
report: {"hour": 12, "minute": 57}
